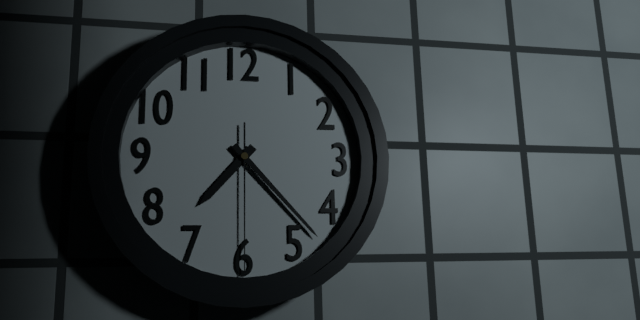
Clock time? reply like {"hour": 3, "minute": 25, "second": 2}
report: {"hour": 7, "minute": 23, "second": 30}
